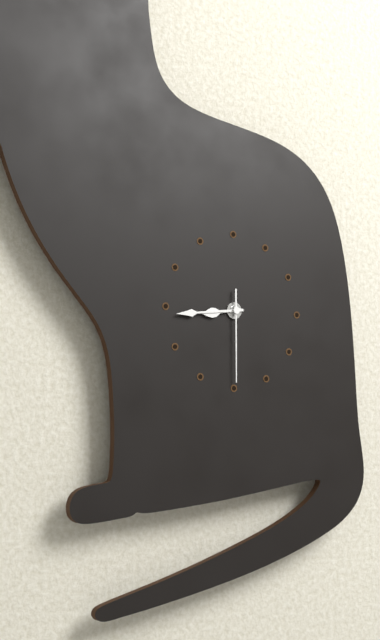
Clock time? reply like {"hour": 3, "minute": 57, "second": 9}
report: {"hour": 8, "minute": 44, "second": 30}
